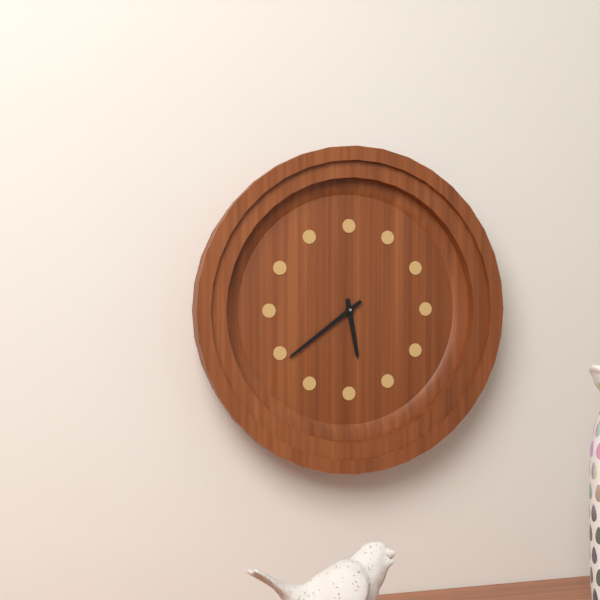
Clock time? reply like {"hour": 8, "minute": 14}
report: {"hour": 5, "minute": 39}
